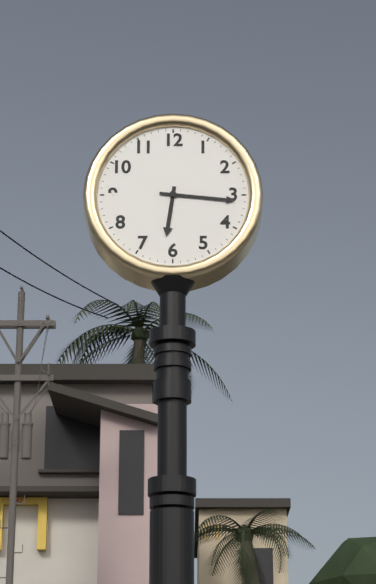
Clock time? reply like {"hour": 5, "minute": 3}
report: {"hour": 6, "minute": 16}
